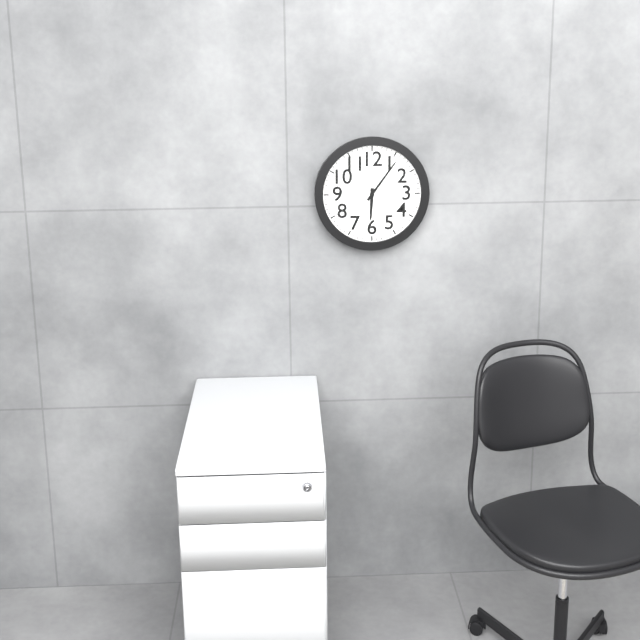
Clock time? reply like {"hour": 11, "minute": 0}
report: {"hour": 6, "minute": 6}
